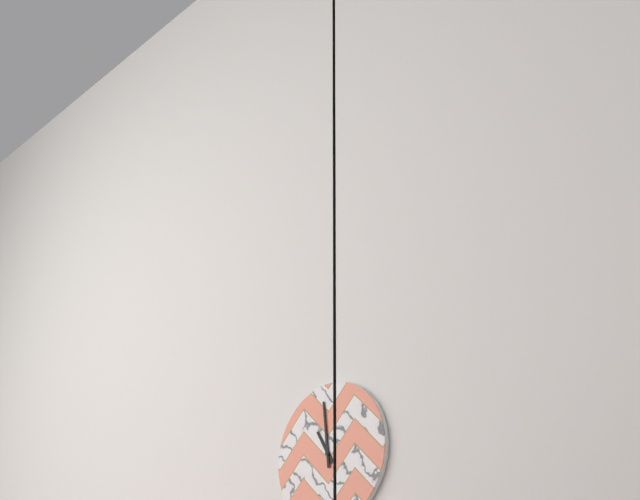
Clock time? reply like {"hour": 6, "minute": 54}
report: {"hour": 10, "minute": 59}
